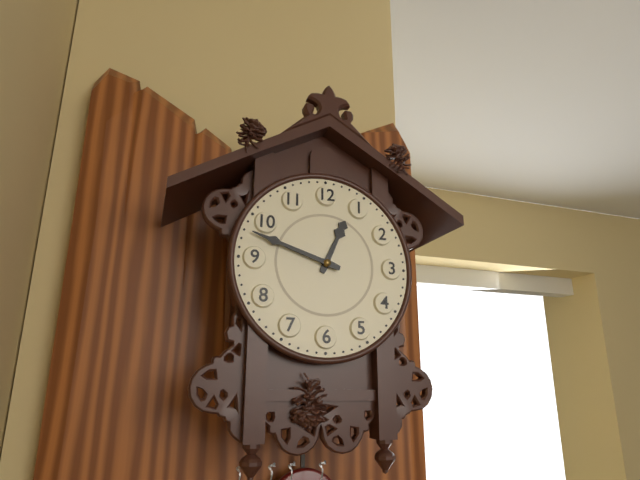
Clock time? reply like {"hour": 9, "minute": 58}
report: {"hour": 12, "minute": 48}
